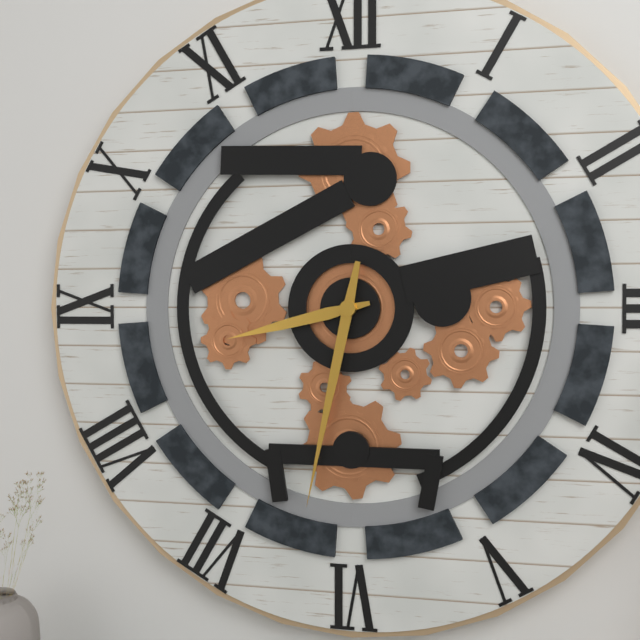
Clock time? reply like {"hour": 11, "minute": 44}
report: {"hour": 8, "minute": 32}
